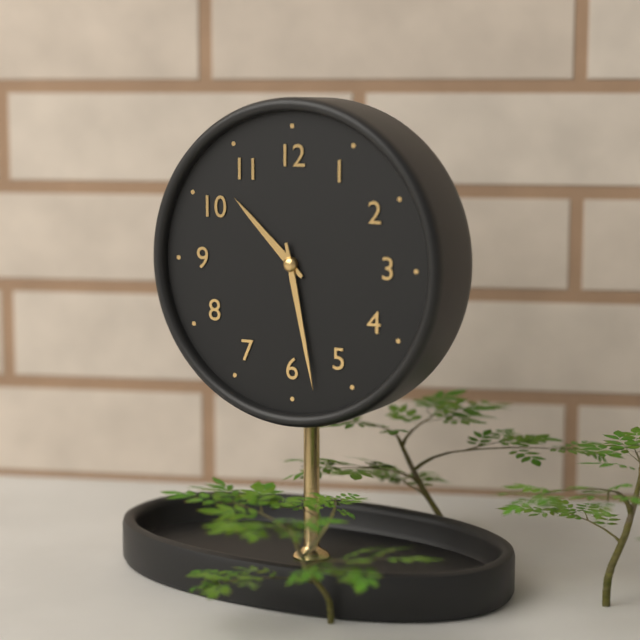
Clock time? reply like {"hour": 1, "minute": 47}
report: {"hour": 10, "minute": 28}
